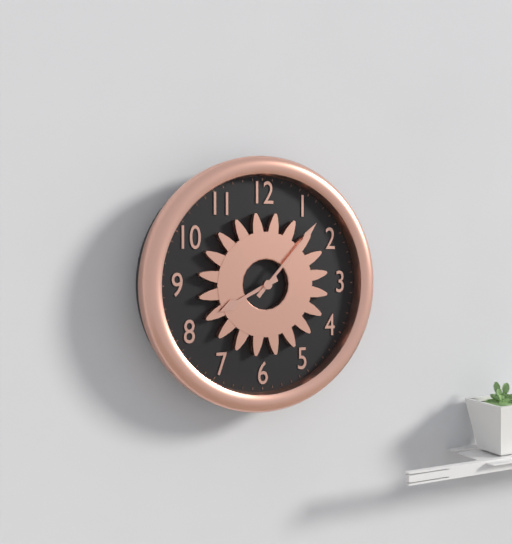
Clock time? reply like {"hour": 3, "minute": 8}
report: {"hour": 8, "minute": 7}
